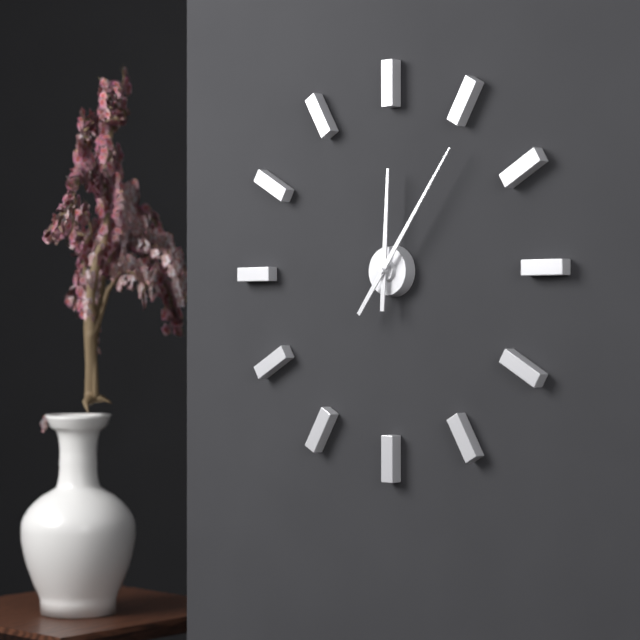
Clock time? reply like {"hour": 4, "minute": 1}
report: {"hour": 12, "minute": 6}
